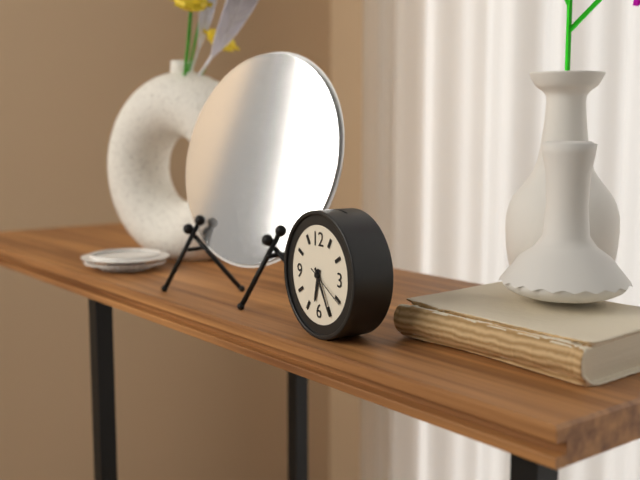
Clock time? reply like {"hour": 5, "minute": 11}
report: {"hour": 6, "minute": 25}
